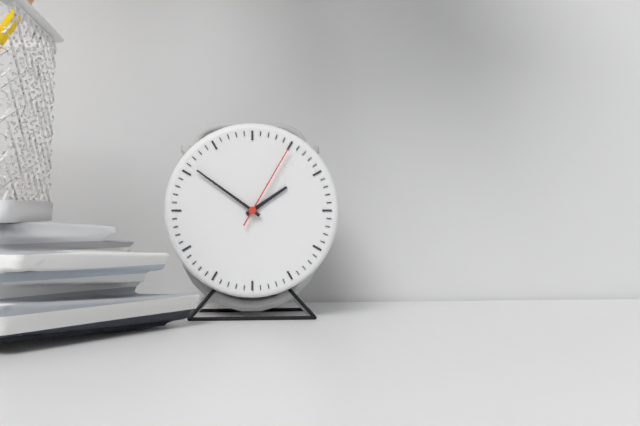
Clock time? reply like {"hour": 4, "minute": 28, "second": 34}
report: {"hour": 1, "minute": 51, "second": 5}
